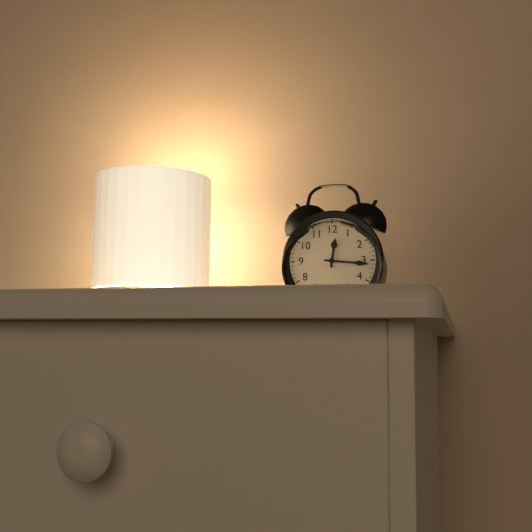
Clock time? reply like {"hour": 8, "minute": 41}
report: {"hour": 12, "minute": 16}
